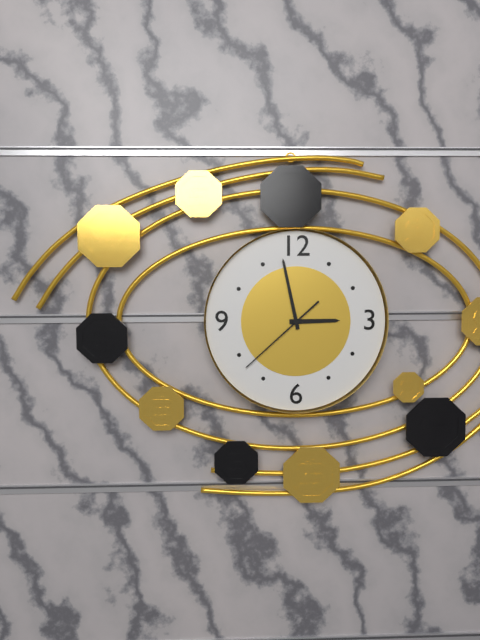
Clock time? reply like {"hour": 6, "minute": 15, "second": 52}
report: {"hour": 2, "minute": 58, "second": 38}
